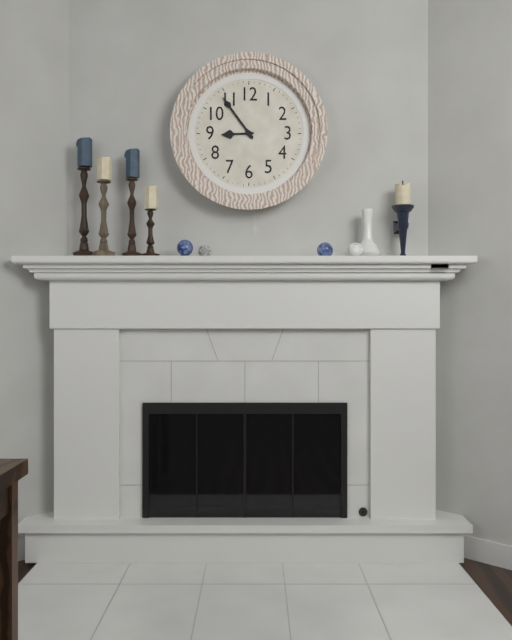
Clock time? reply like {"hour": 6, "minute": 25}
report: {"hour": 8, "minute": 54}
